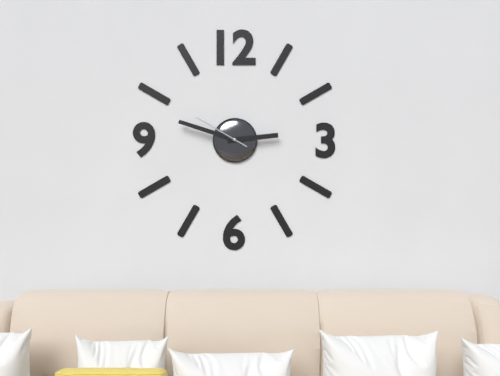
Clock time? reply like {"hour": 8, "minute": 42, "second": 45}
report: {"hour": 2, "minute": 48, "second": 50}
